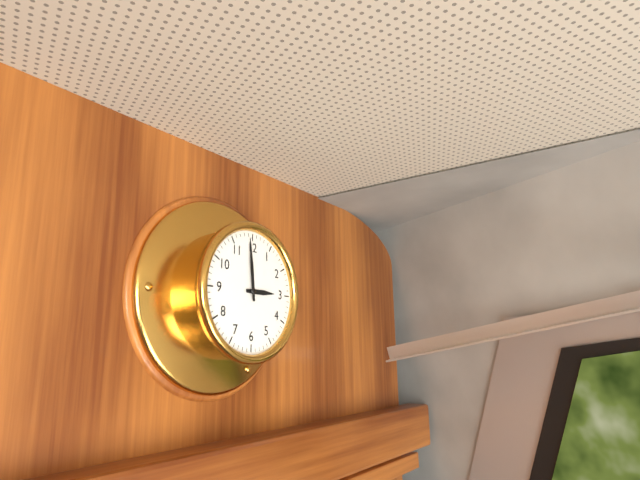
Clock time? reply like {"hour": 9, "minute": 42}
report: {"hour": 2, "minute": 59}
